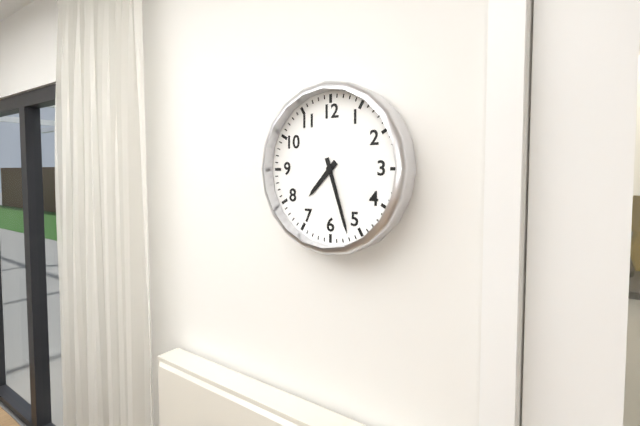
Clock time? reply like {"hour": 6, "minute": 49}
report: {"hour": 7, "minute": 27}
